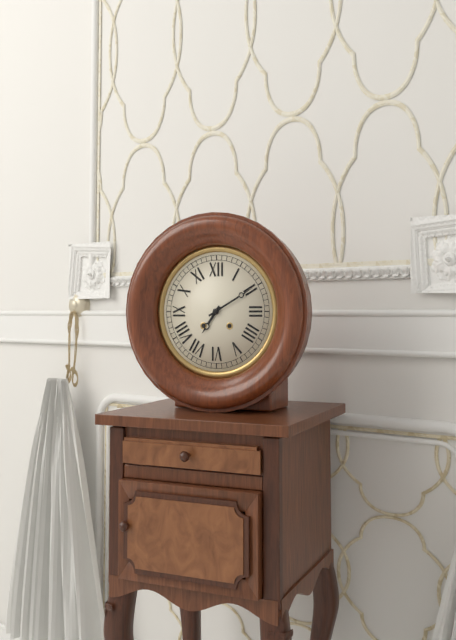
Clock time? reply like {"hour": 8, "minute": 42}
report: {"hour": 7, "minute": 10}
